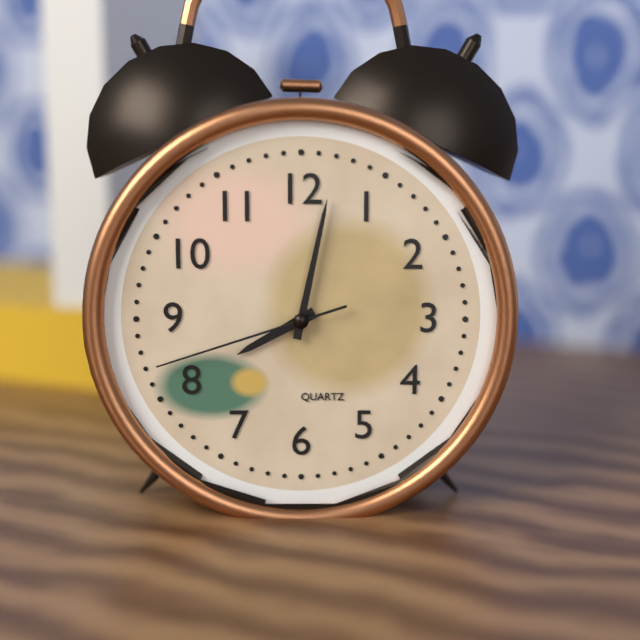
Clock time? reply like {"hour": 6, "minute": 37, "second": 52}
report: {"hour": 8, "minute": 2, "second": 42}
